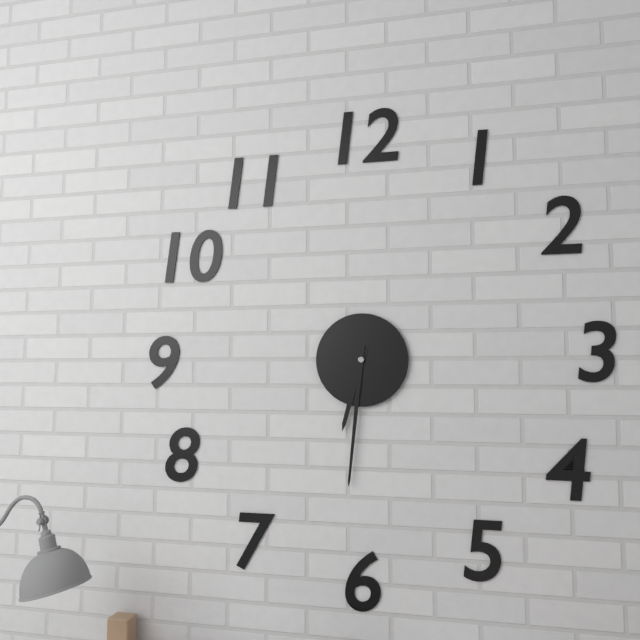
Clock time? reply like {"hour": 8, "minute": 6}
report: {"hour": 6, "minute": 31}
